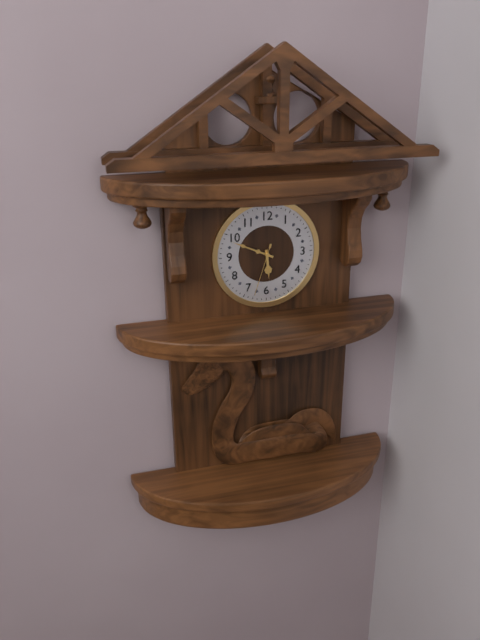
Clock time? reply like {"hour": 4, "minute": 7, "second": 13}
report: {"hour": 5, "minute": 49, "second": 33}
